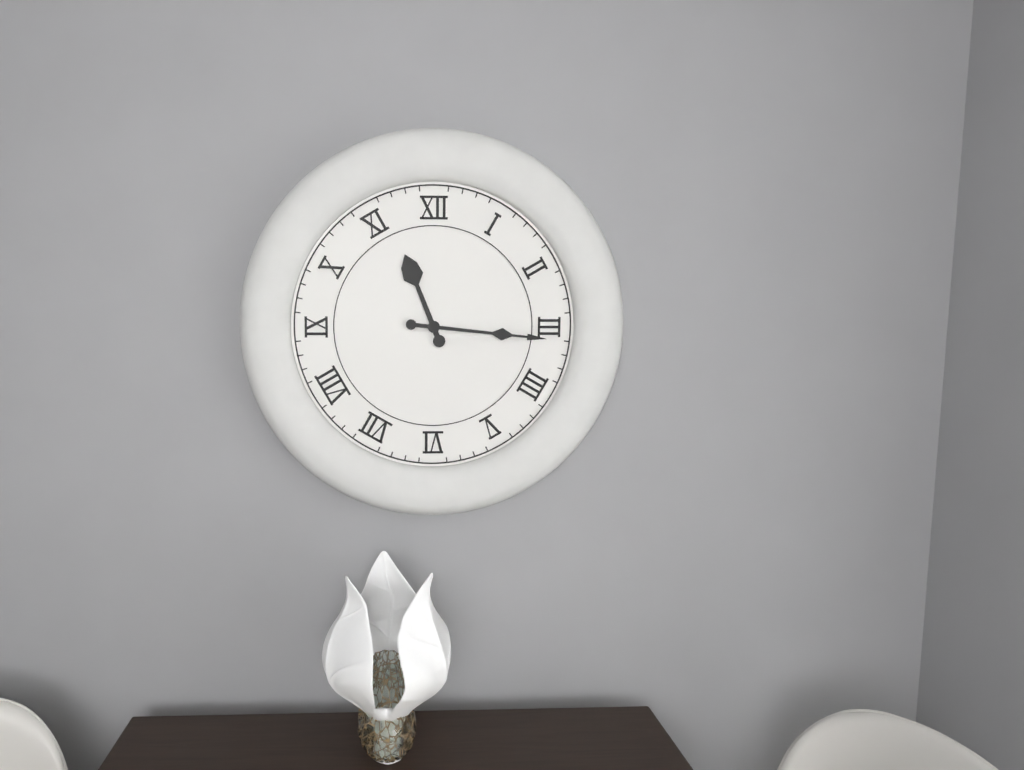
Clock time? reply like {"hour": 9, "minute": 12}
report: {"hour": 11, "minute": 16}
